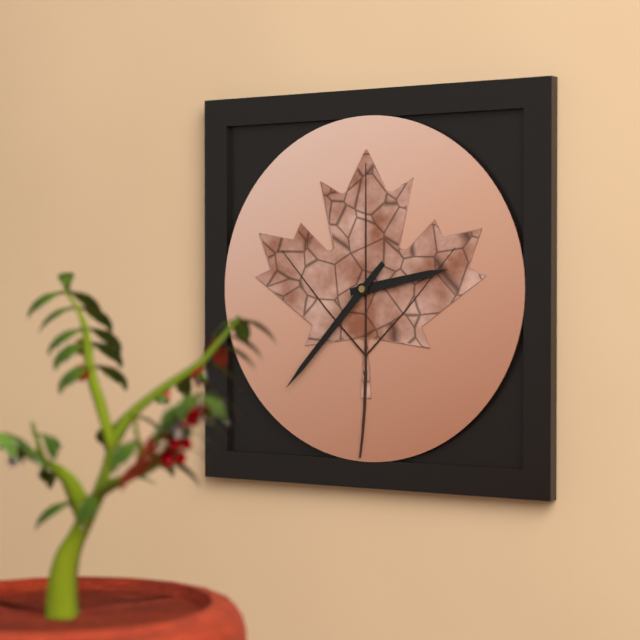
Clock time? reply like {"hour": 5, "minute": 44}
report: {"hour": 2, "minute": 37}
